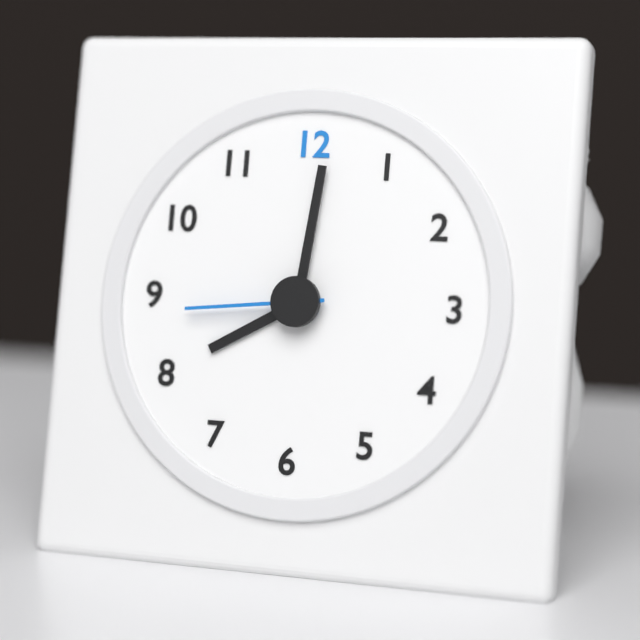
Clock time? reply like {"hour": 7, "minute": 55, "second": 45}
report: {"hour": 8, "minute": 1, "second": 44}
